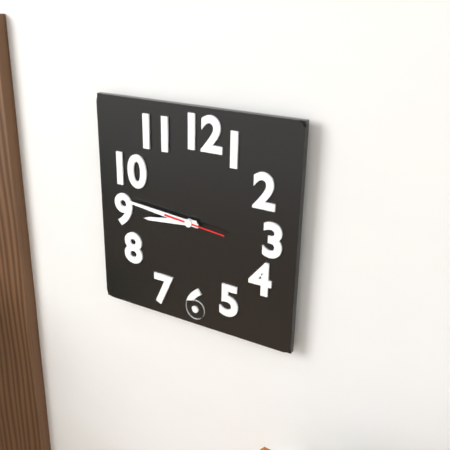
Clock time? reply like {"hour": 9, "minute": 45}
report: {"hour": 8, "minute": 46}
